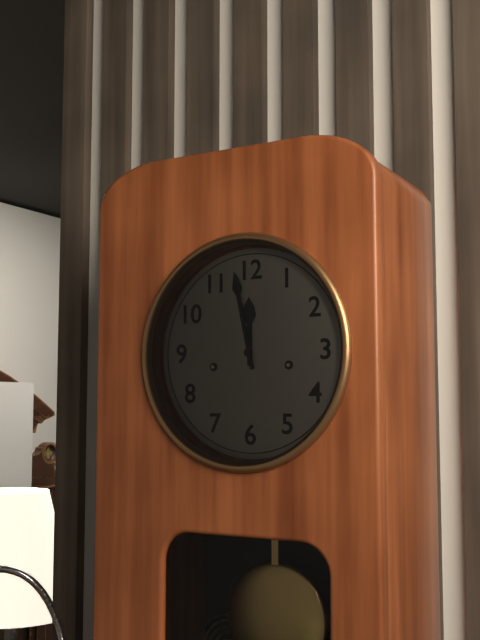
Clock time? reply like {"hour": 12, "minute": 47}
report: {"hour": 11, "minute": 58}
